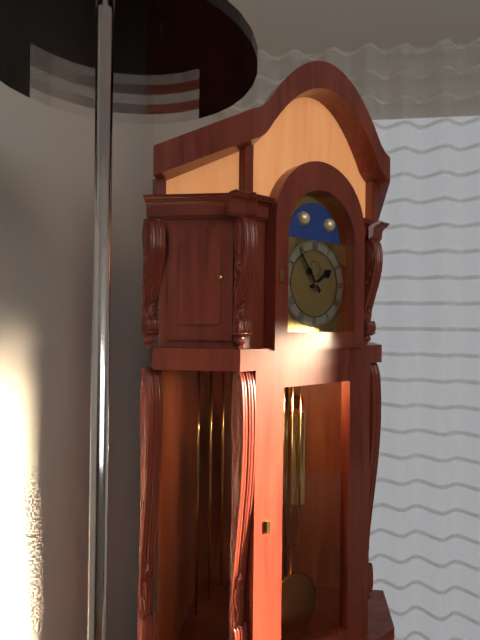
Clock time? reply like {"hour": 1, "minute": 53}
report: {"hour": 1, "minute": 54}
